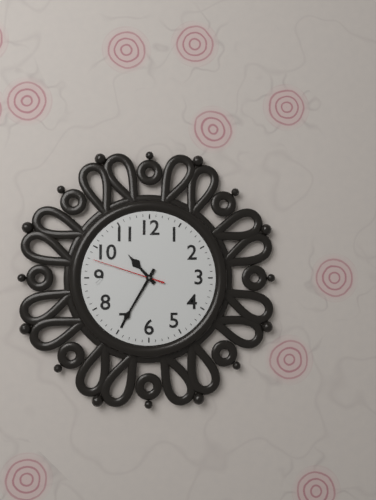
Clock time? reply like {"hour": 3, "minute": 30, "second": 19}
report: {"hour": 10, "minute": 35, "second": 48}
